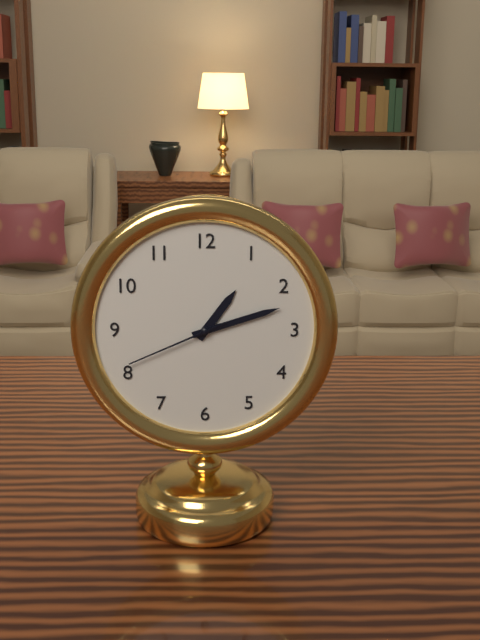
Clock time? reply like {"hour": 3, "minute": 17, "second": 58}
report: {"hour": 1, "minute": 12, "second": 41}
